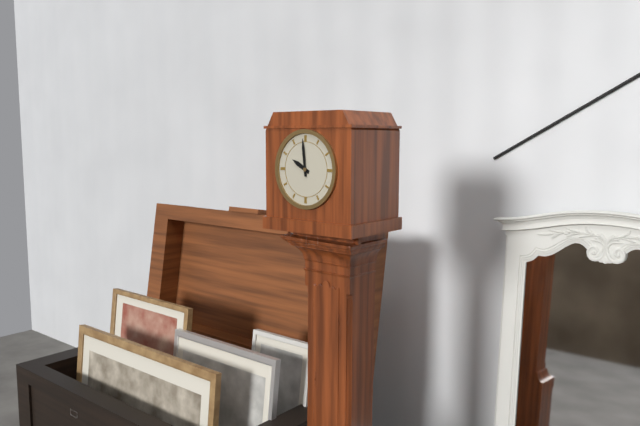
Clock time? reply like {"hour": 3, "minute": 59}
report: {"hour": 9, "minute": 59}
